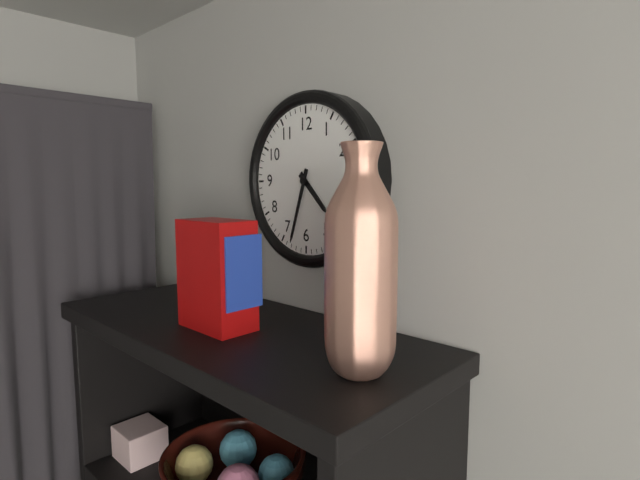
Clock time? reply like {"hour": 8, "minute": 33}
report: {"hour": 4, "minute": 33}
